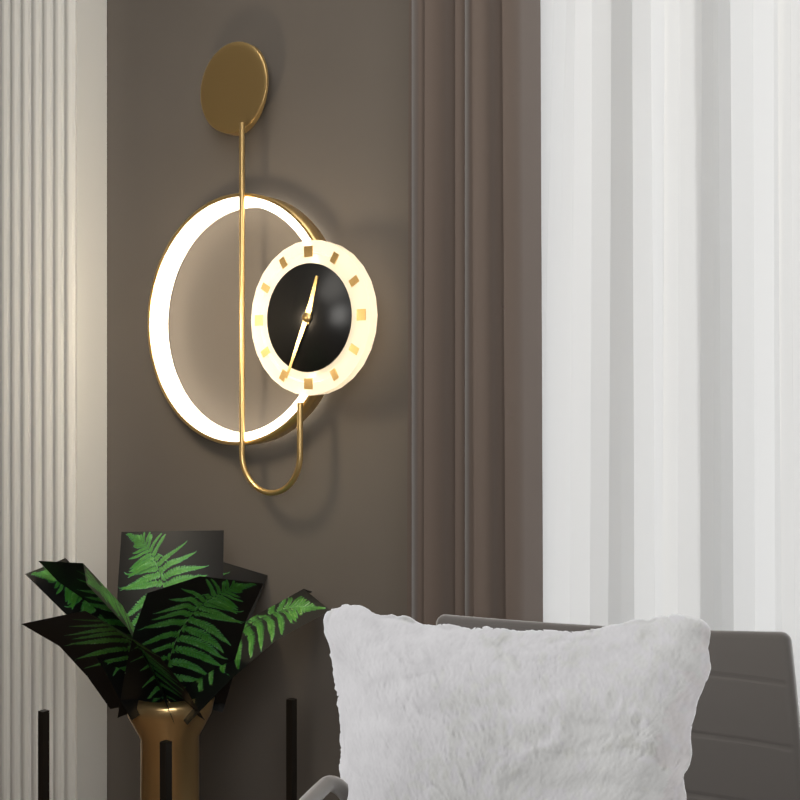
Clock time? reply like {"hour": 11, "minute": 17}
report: {"hour": 12, "minute": 34}
